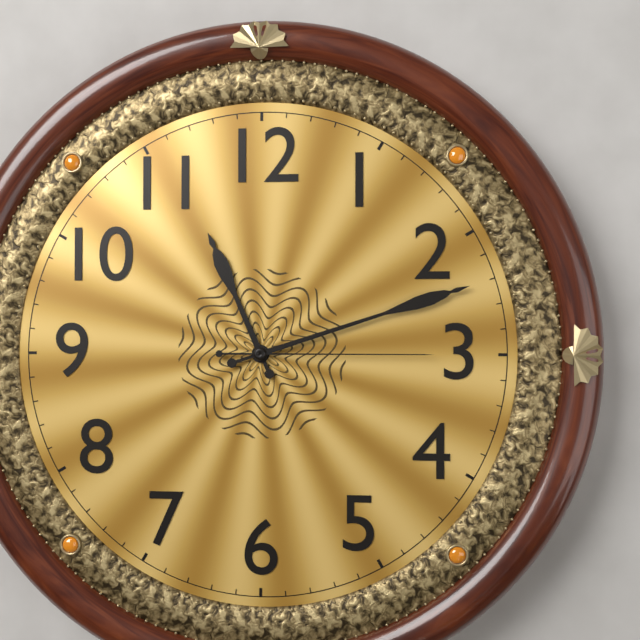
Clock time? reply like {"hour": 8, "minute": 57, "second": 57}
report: {"hour": 11, "minute": 12, "second": 15}
